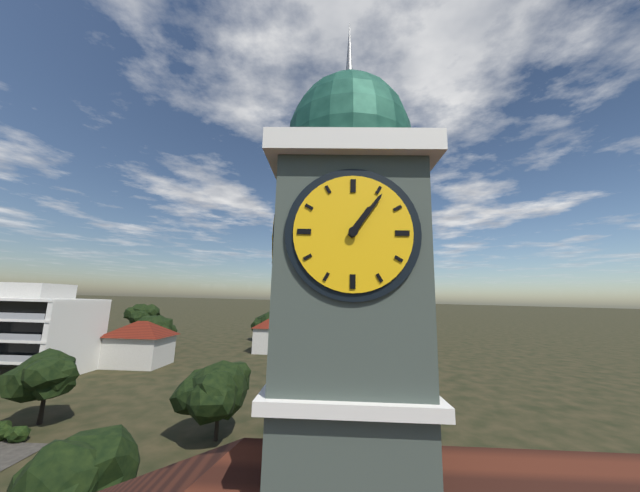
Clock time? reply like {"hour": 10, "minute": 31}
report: {"hour": 1, "minute": 6}
